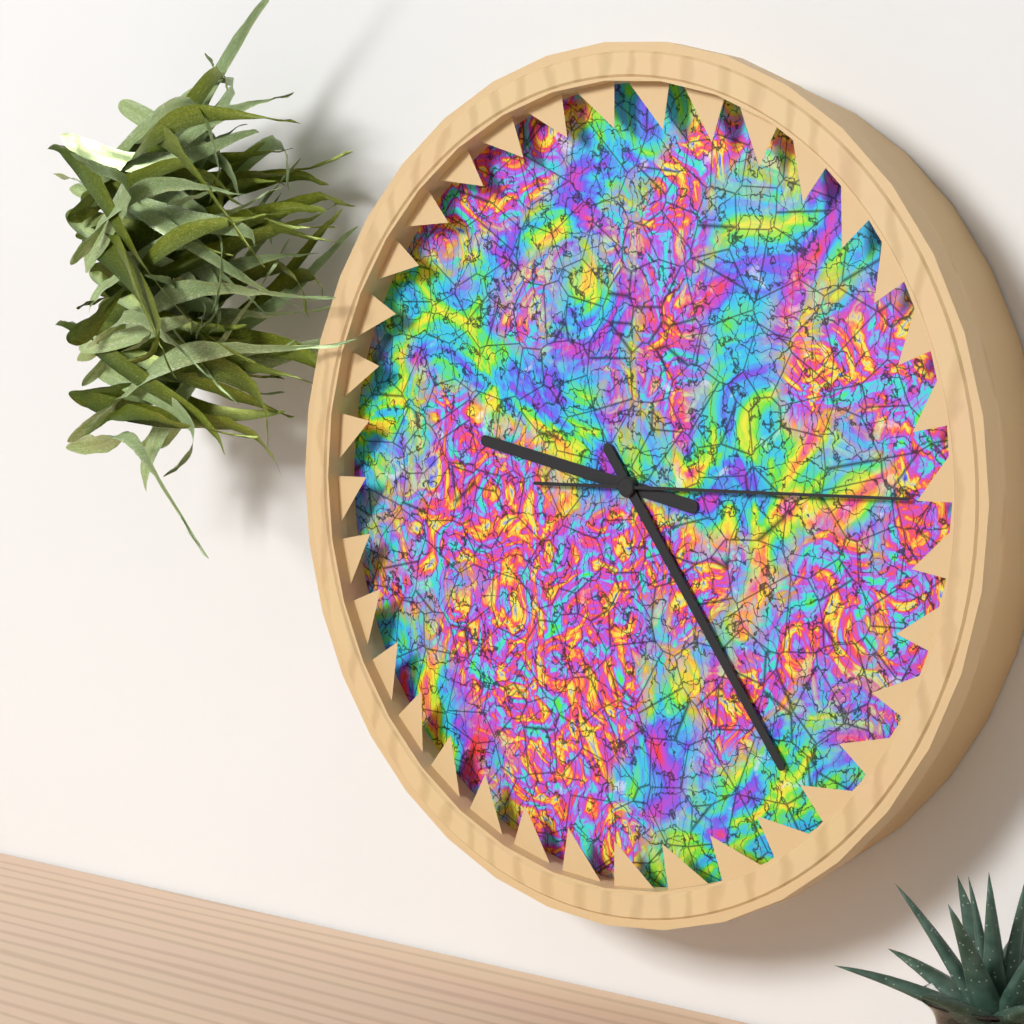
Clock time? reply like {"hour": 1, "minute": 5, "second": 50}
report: {"hour": 9, "minute": 24, "second": 15}
